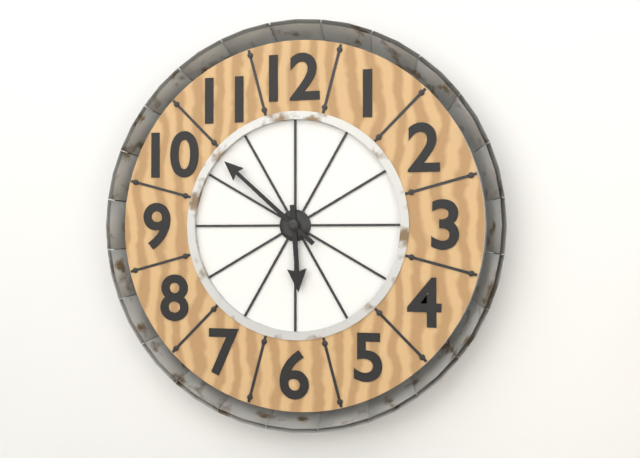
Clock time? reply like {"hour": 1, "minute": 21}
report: {"hour": 5, "minute": 52}
